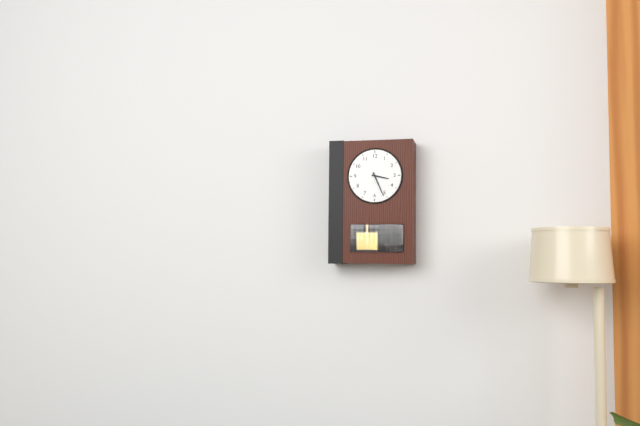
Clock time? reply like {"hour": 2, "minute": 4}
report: {"hour": 3, "minute": 26}
